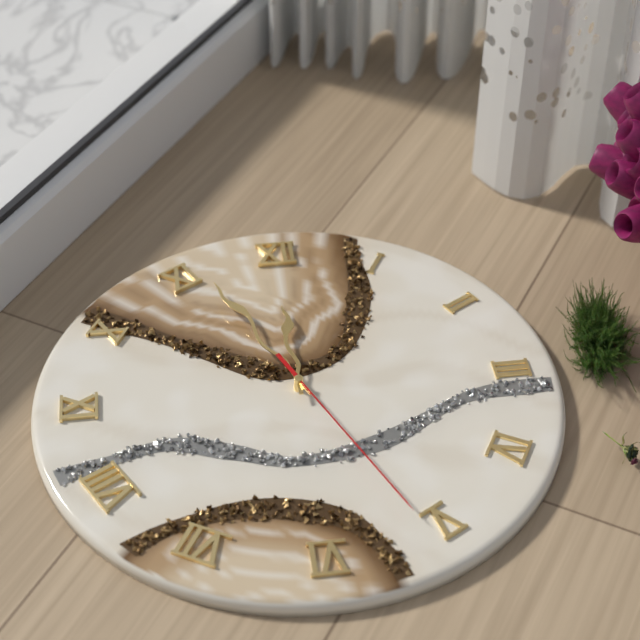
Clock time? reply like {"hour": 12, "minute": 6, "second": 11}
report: {"hour": 11, "minute": 56, "second": 26}
